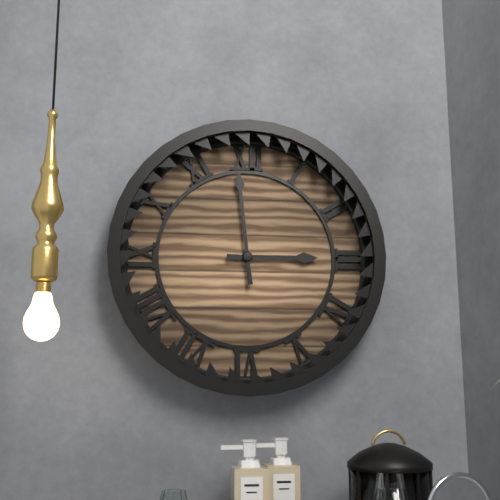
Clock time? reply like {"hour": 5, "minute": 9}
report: {"hour": 2, "minute": 59}
